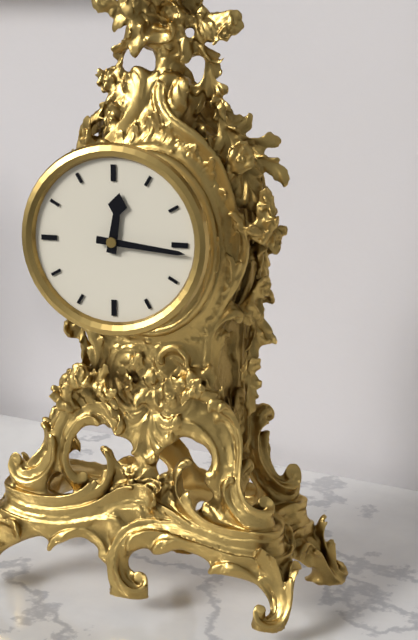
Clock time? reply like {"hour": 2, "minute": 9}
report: {"hour": 12, "minute": 16}
